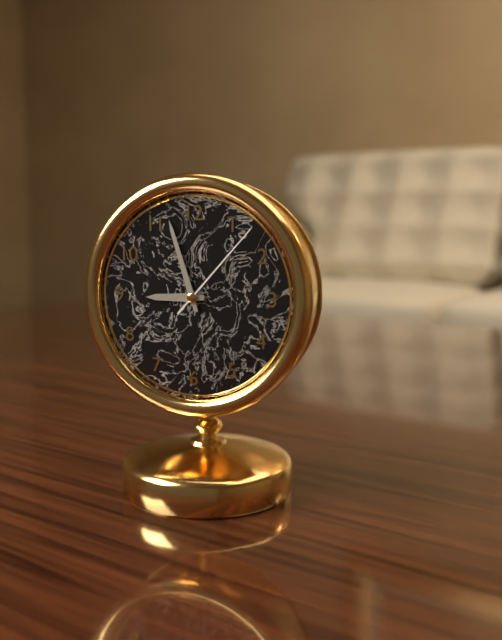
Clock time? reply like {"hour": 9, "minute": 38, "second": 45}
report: {"hour": 8, "minute": 57, "second": 7}
